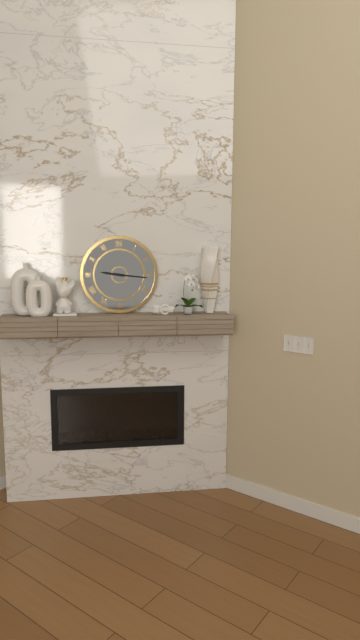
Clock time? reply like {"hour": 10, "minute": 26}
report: {"hour": 9, "minute": 16}
